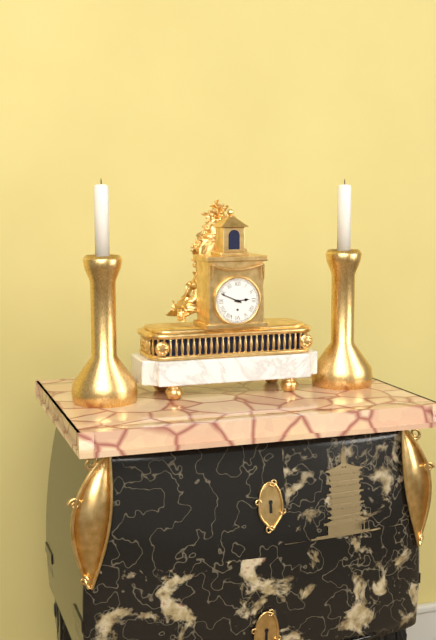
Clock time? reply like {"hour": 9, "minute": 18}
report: {"hour": 2, "minute": 49}
